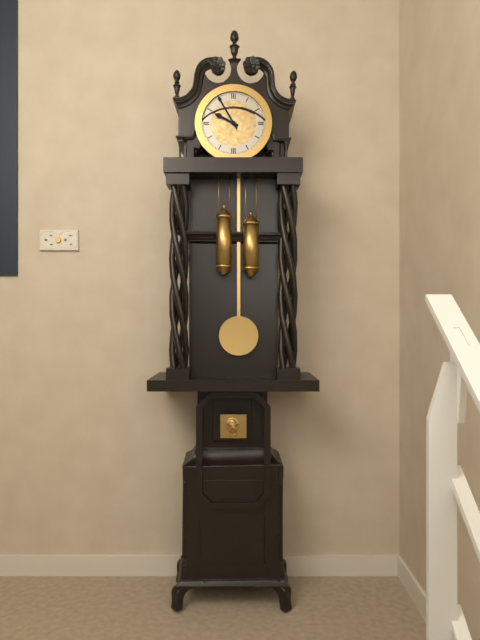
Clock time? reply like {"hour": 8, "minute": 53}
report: {"hour": 9, "minute": 55}
